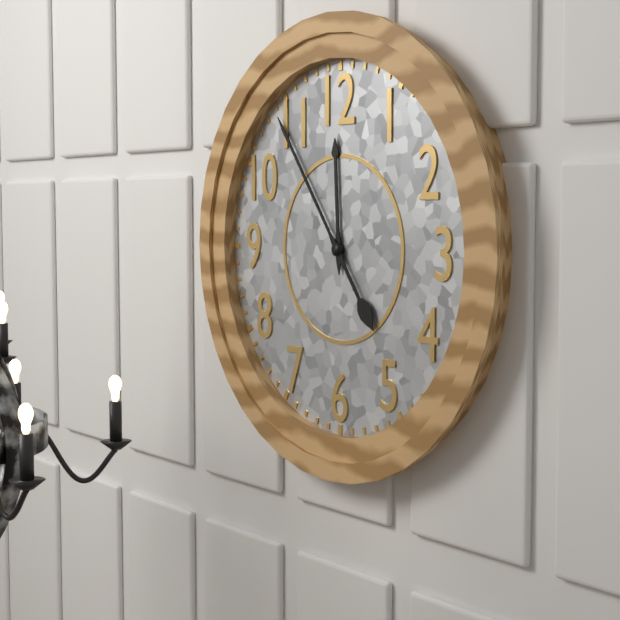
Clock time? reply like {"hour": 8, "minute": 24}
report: {"hour": 11, "minute": 54}
